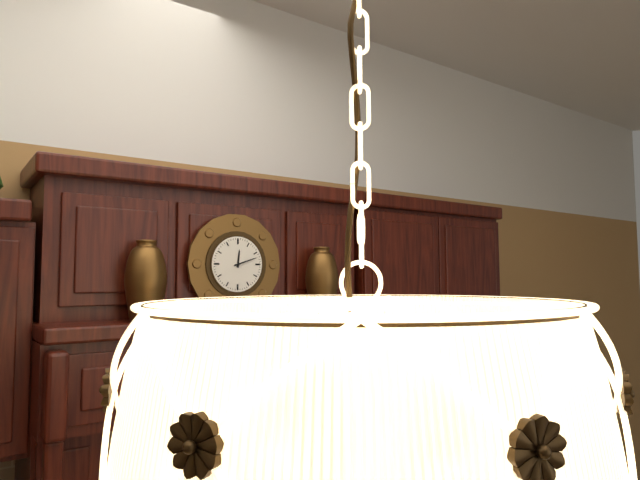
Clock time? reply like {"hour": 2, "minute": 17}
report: {"hour": 12, "minute": 12}
